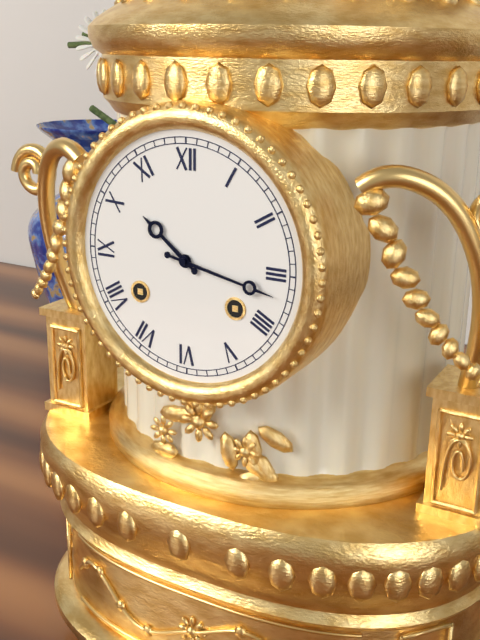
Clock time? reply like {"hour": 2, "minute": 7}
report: {"hour": 10, "minute": 17}
